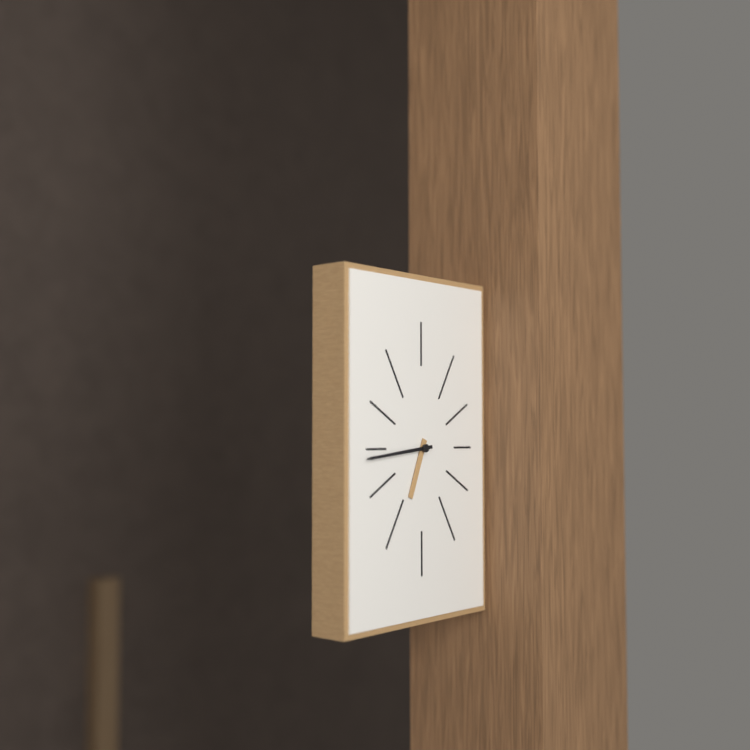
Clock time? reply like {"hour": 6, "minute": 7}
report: {"hour": 6, "minute": 44}
